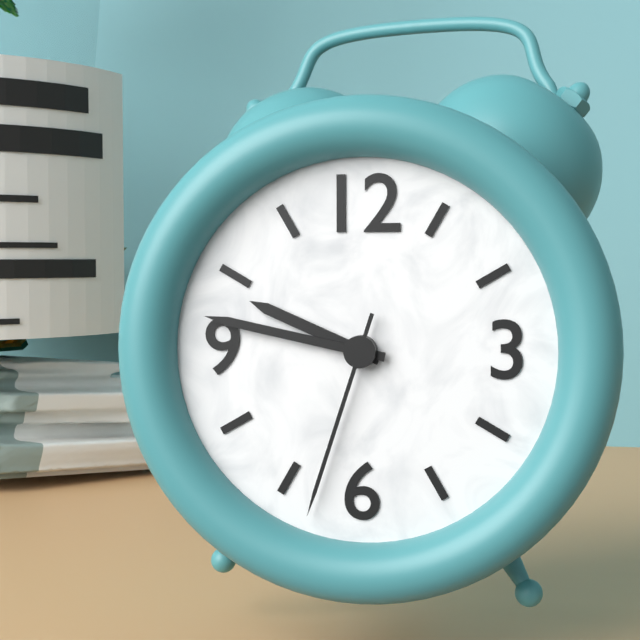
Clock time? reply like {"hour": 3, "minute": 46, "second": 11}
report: {"hour": 9, "minute": 47, "second": 33}
